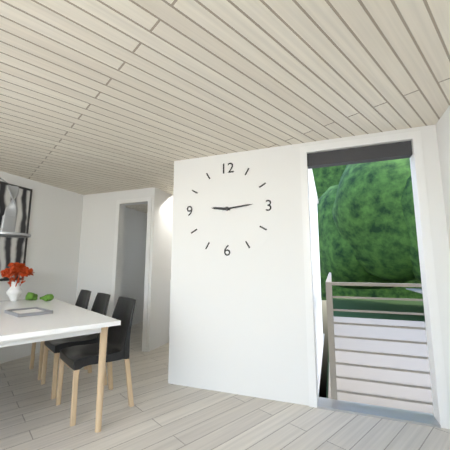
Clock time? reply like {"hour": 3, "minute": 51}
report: {"hour": 9, "minute": 14}
